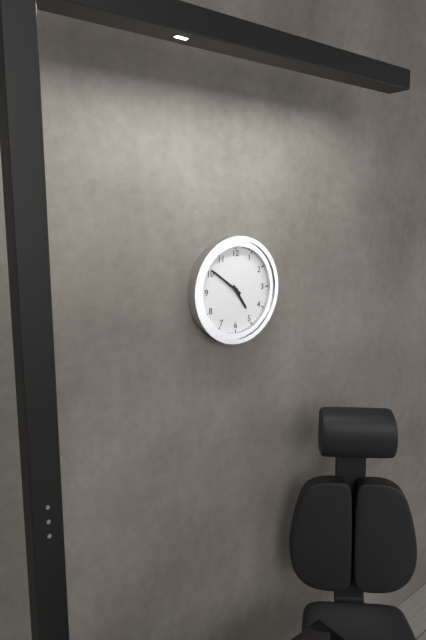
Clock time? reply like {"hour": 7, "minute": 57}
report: {"hour": 4, "minute": 51}
